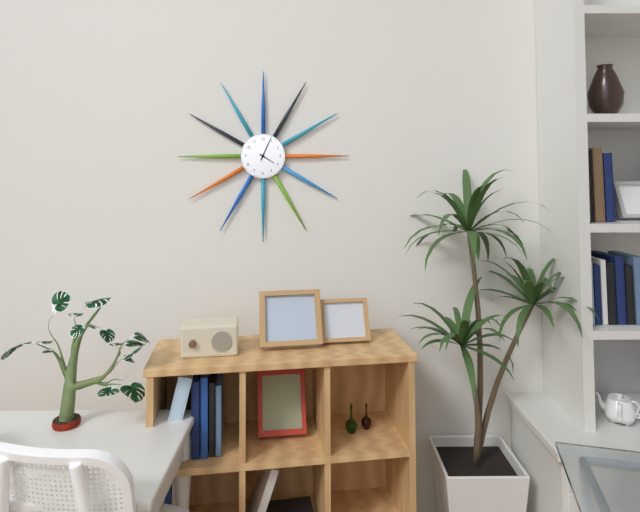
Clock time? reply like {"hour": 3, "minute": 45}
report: {"hour": 4, "minute": 4}
